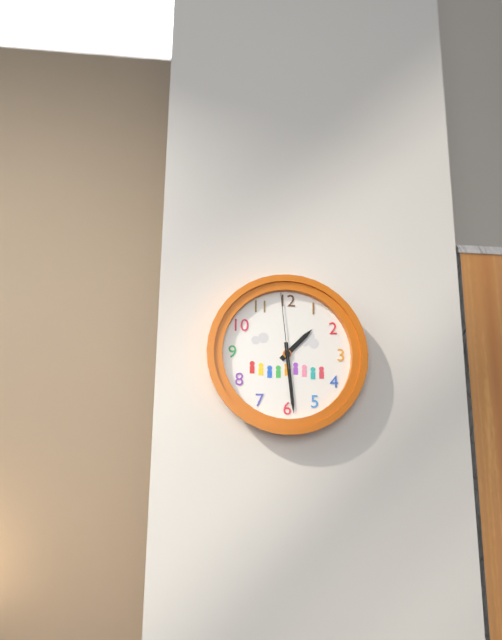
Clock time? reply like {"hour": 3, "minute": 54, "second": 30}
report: {"hour": 1, "minute": 29, "second": 59}
